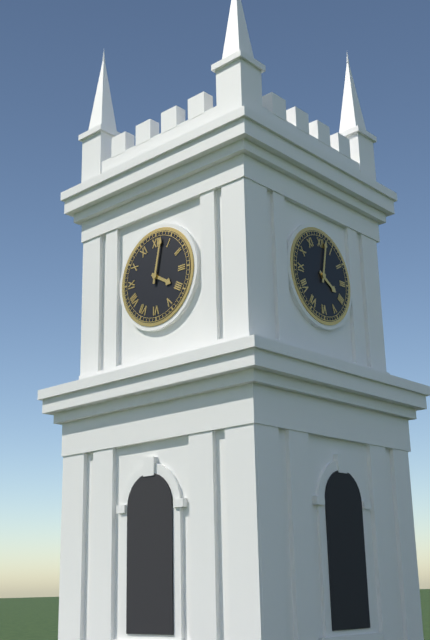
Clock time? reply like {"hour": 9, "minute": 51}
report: {"hour": 4, "minute": 2}
